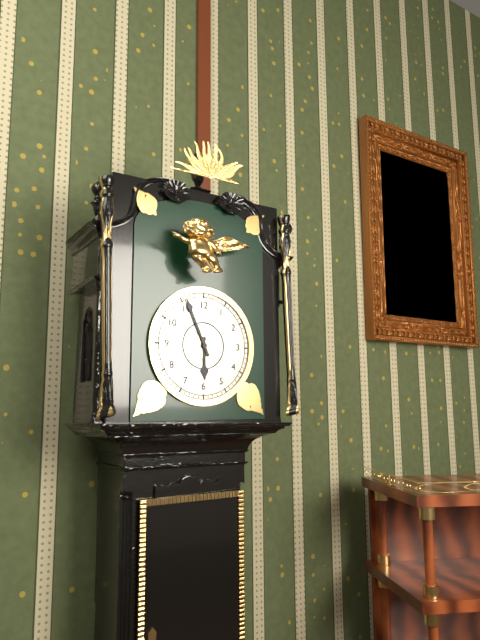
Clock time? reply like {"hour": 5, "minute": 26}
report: {"hour": 5, "minute": 56}
